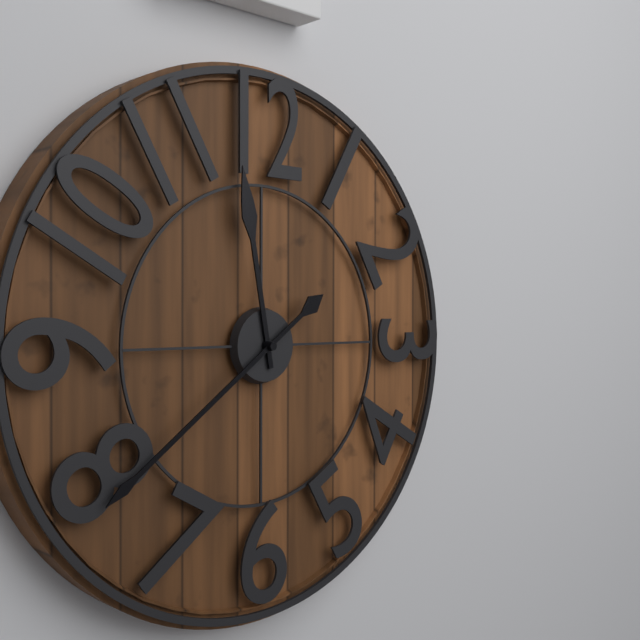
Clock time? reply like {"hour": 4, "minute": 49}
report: {"hour": 11, "minute": 39}
